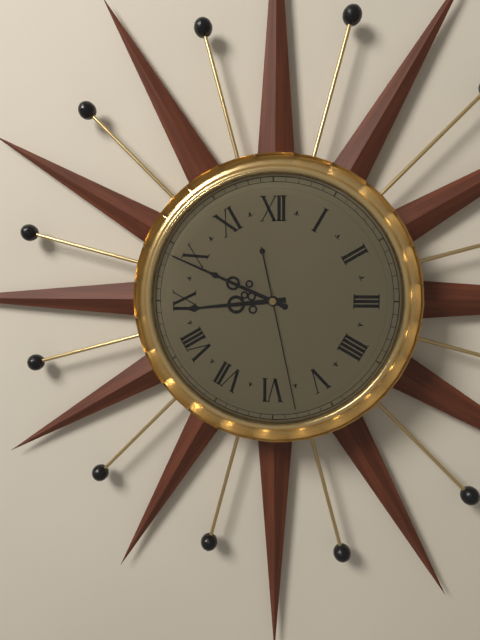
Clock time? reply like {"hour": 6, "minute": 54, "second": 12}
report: {"hour": 8, "minute": 49, "second": 28}
